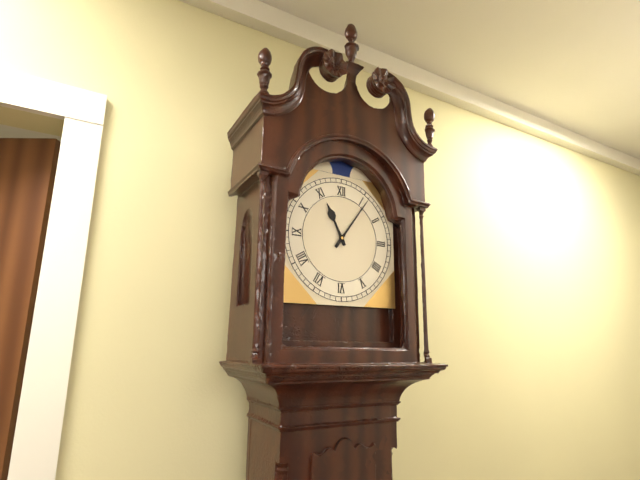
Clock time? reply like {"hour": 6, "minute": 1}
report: {"hour": 11, "minute": 6}
